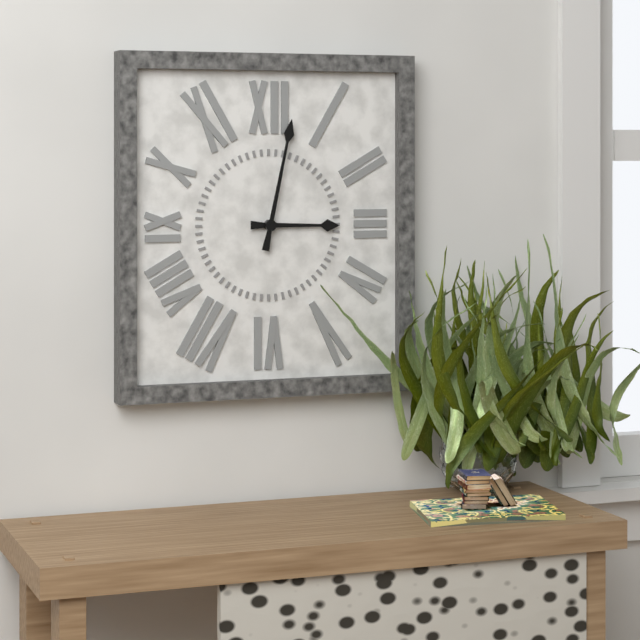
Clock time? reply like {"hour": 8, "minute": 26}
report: {"hour": 3, "minute": 2}
